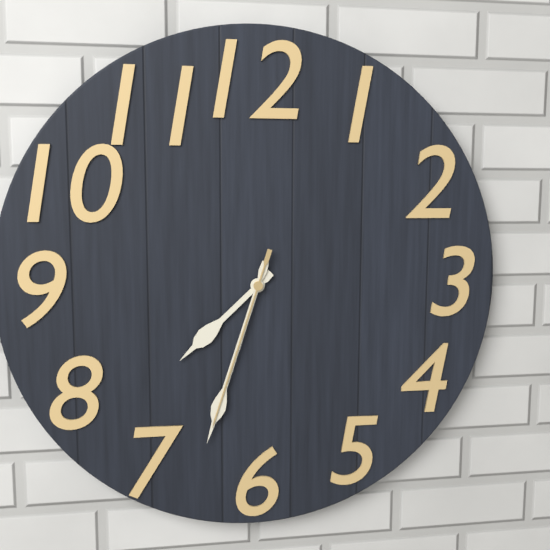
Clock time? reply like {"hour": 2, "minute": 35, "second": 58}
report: {"hour": 7, "minute": 33, "second": 33}
